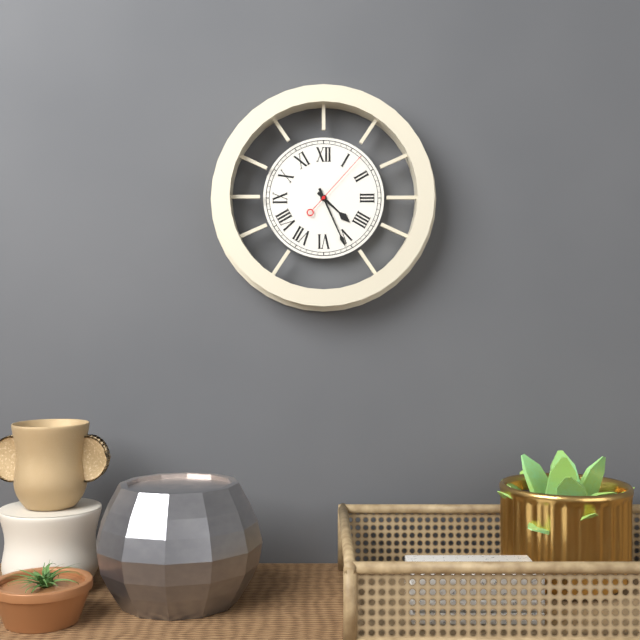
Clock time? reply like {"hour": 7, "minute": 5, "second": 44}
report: {"hour": 4, "minute": 26, "second": 7}
